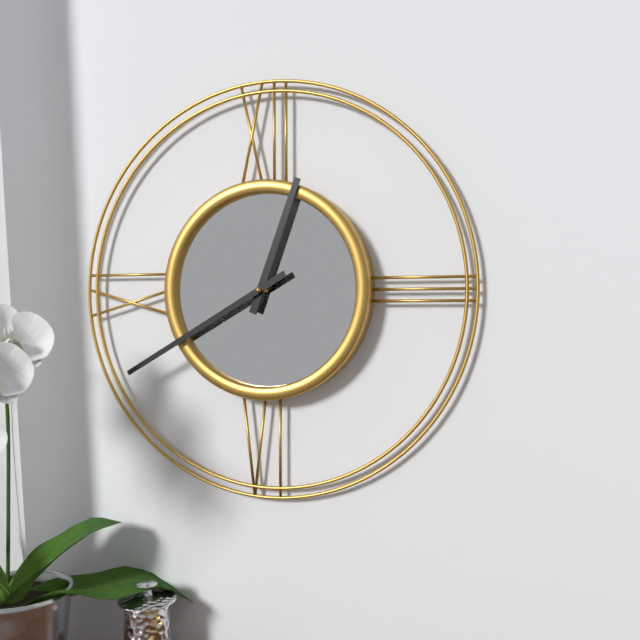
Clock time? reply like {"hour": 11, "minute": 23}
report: {"hour": 12, "minute": 40}
